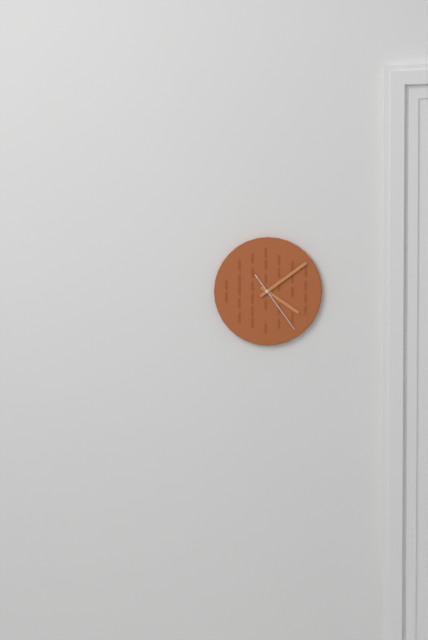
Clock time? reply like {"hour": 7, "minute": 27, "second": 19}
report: {"hour": 4, "minute": 9, "second": 24}
